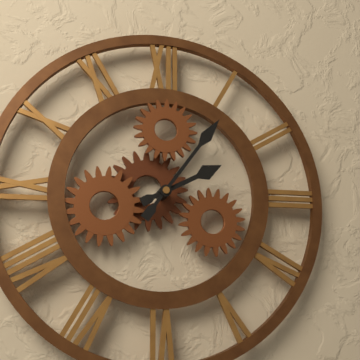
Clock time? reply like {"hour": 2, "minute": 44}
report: {"hour": 2, "minute": 6}
